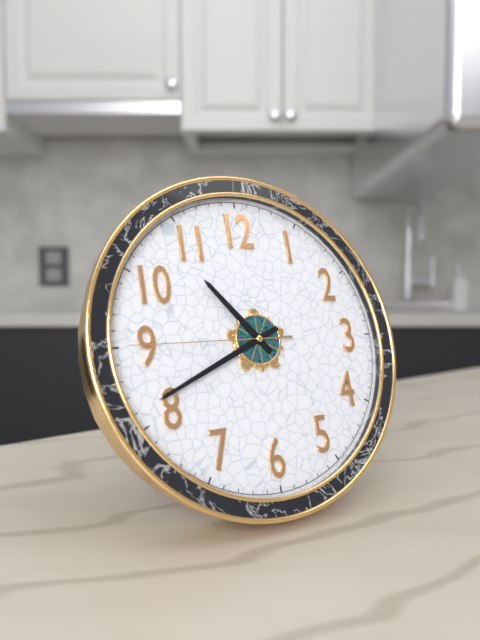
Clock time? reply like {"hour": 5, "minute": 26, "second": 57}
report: {"hour": 10, "minute": 41, "second": 45}
